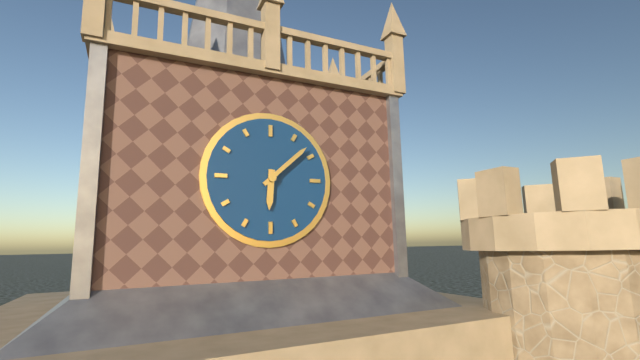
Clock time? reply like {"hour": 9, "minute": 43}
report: {"hour": 6, "minute": 8}
